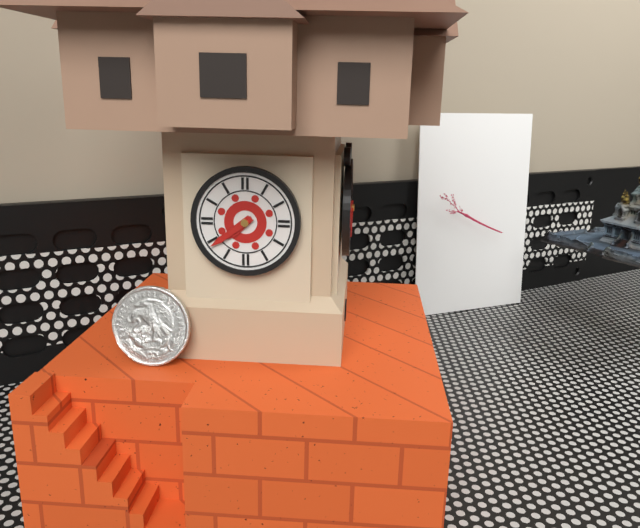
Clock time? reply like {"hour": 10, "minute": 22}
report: {"hour": 7, "minute": 39}
